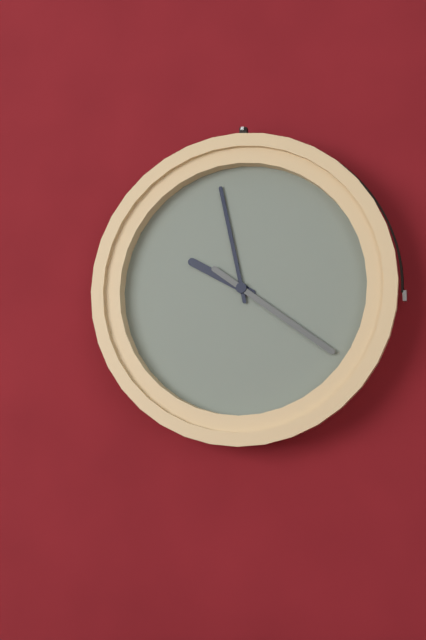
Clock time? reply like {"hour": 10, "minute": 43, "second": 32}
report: {"hour": 9, "minute": 58, "second": 21}
